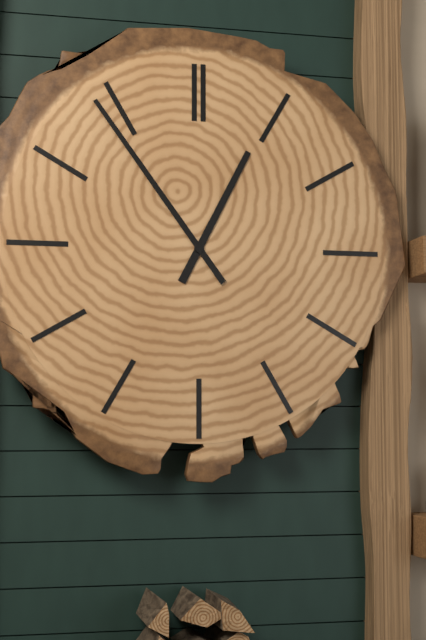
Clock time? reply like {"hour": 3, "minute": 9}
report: {"hour": 12, "minute": 54}
